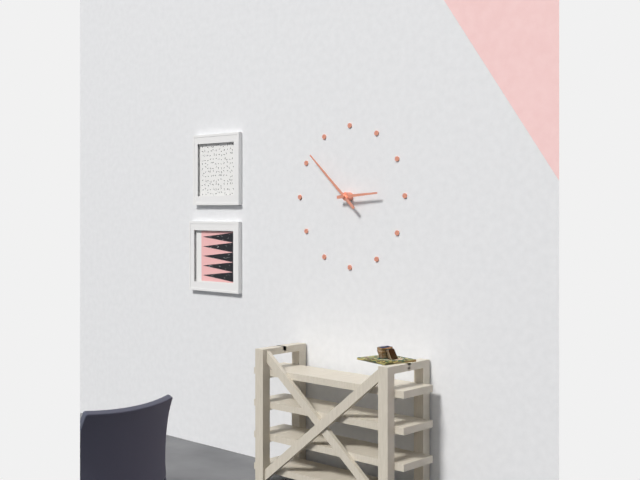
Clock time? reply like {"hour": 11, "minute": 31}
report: {"hour": 2, "minute": 52}
